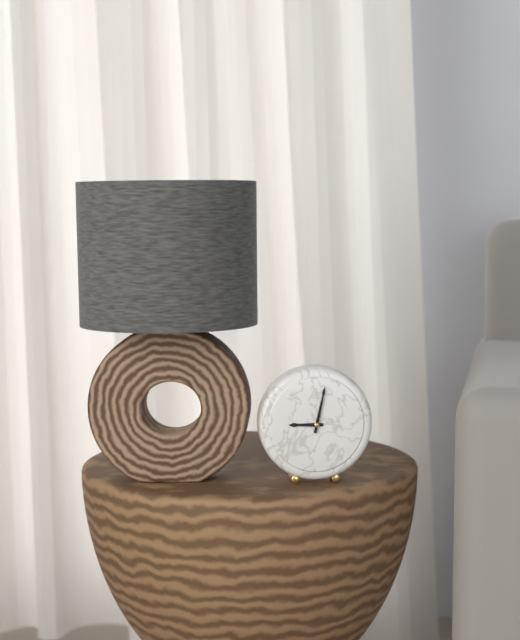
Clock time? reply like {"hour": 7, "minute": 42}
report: {"hour": 9, "minute": 2}
